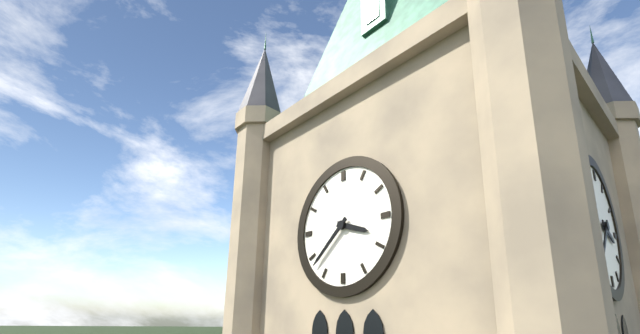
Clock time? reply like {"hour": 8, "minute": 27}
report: {"hour": 3, "minute": 38}
